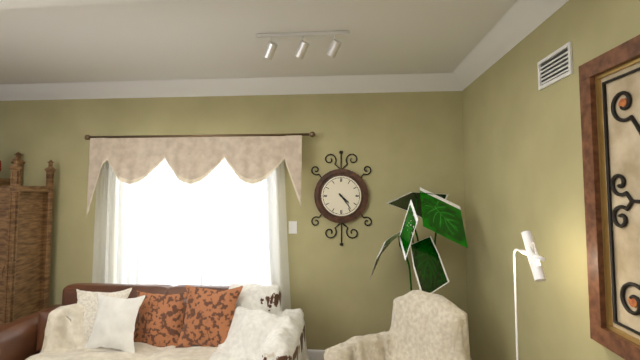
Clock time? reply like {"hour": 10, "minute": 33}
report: {"hour": 4, "minute": 24}
